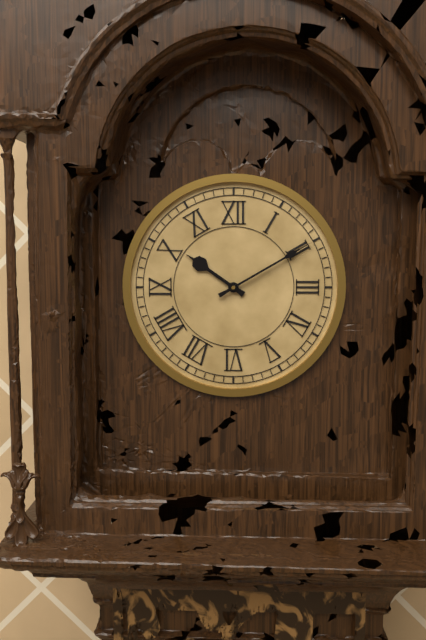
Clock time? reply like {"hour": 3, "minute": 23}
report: {"hour": 10, "minute": 10}
